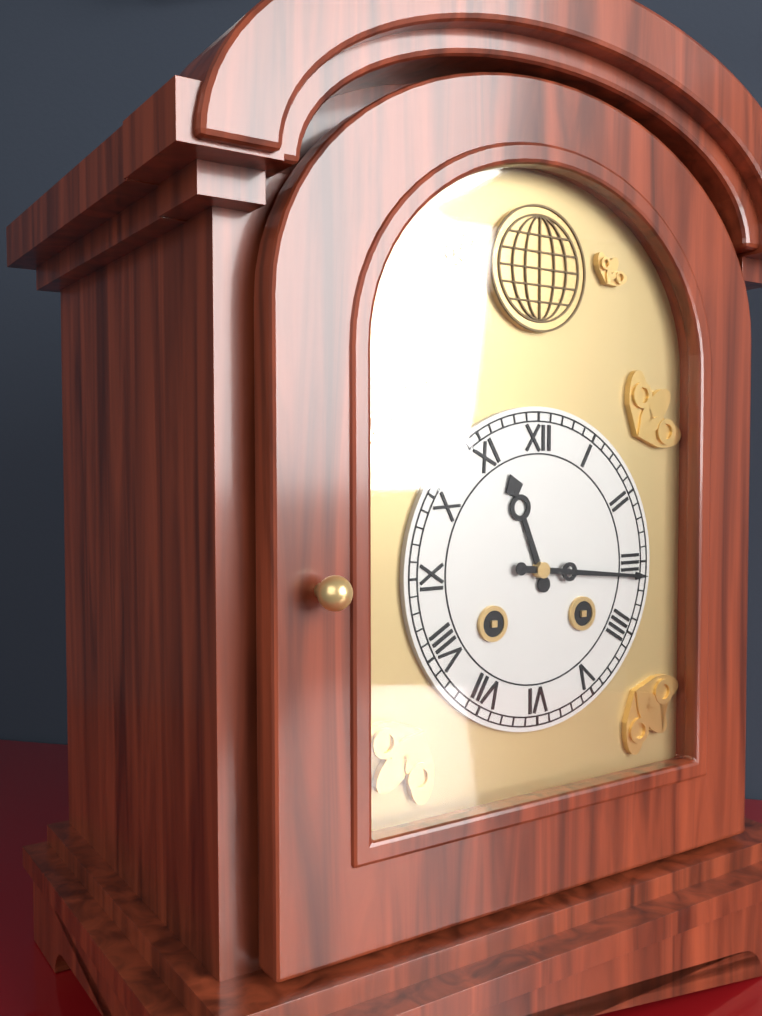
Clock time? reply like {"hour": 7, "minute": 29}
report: {"hour": 11, "minute": 16}
